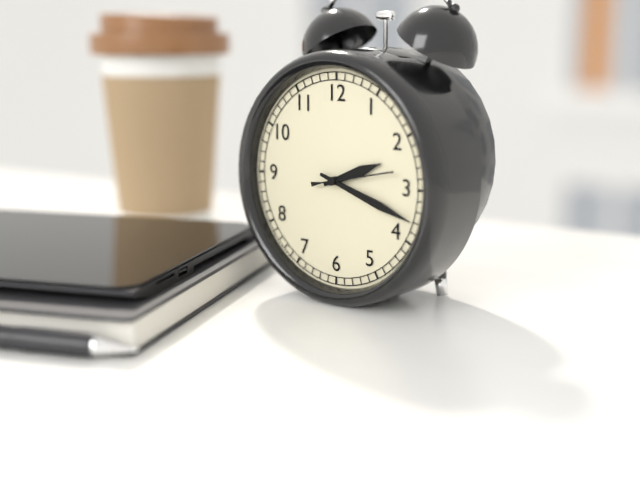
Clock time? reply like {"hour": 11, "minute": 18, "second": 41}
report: {"hour": 2, "minute": 18, "second": 13}
